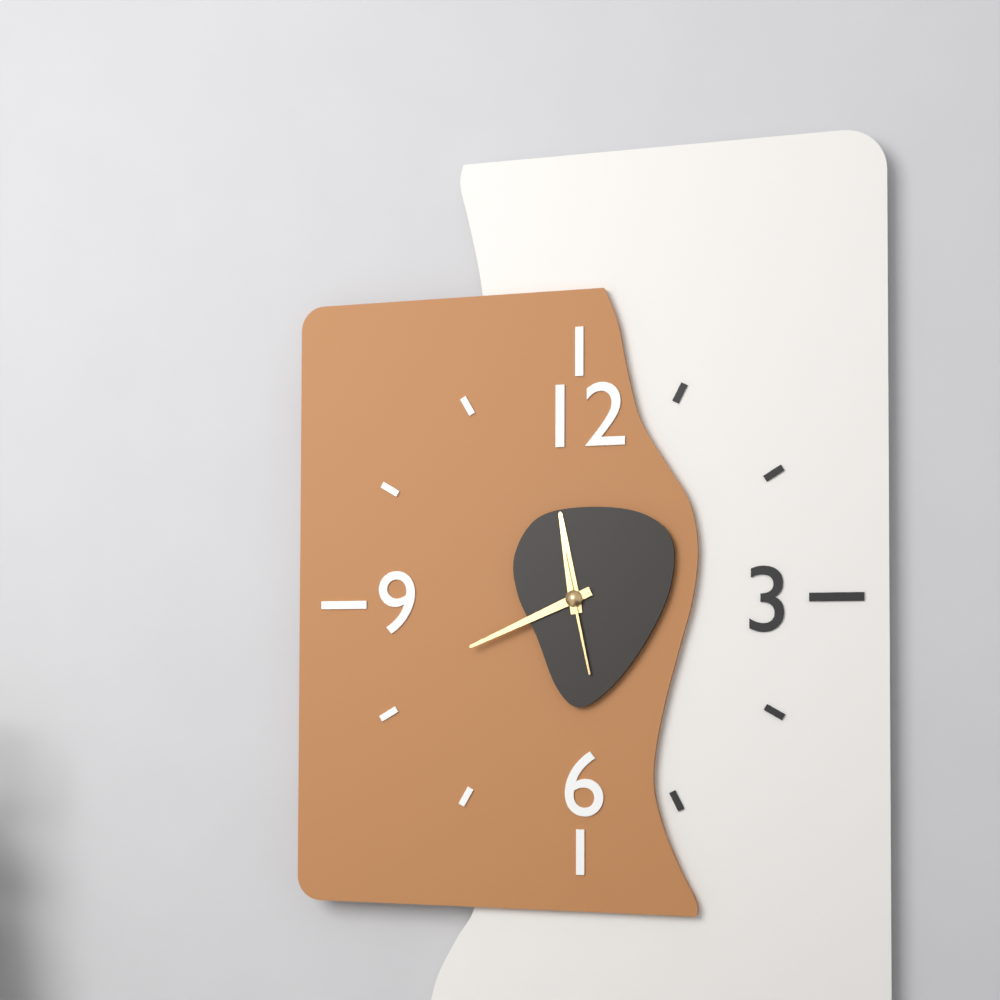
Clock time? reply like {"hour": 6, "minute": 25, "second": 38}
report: {"hour": 11, "minute": 41, "second": 28}
